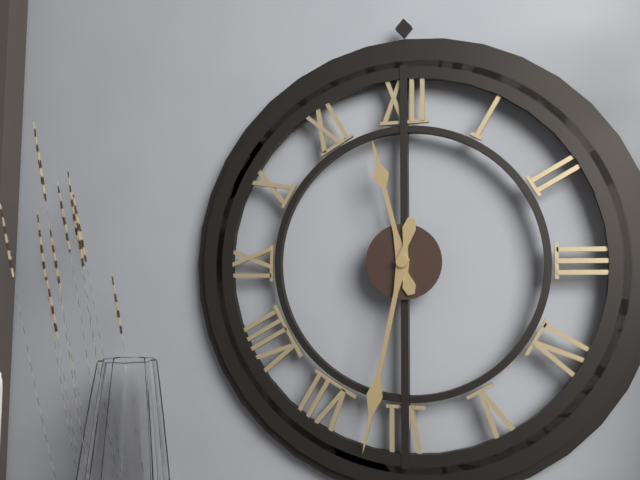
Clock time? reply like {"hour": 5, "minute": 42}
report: {"hour": 11, "minute": 32}
